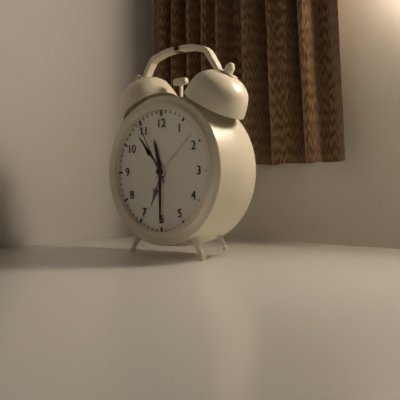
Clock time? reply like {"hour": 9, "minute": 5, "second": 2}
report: {"hour": 11, "minute": 30, "second": 55}
